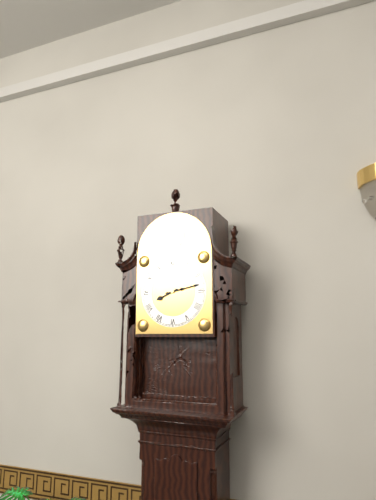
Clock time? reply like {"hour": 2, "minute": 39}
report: {"hour": 8, "minute": 13}
